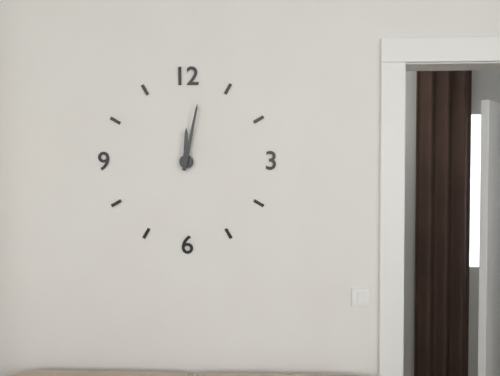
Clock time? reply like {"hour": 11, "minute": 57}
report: {"hour": 12, "minute": 2}
